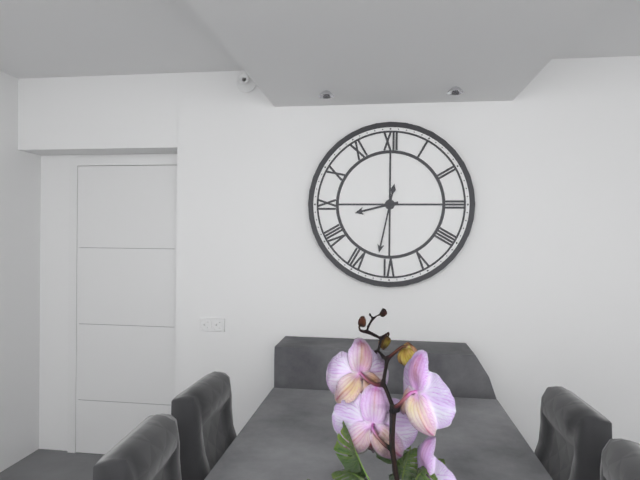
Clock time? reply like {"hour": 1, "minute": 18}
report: {"hour": 8, "minute": 32}
